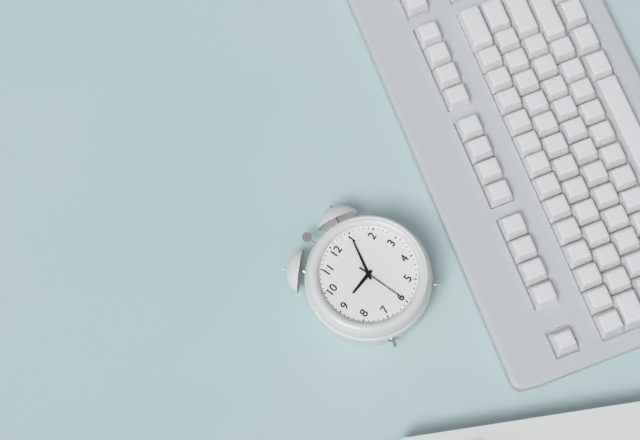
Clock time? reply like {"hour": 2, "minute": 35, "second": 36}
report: {"hour": 9, "minute": 5, "second": 30}
